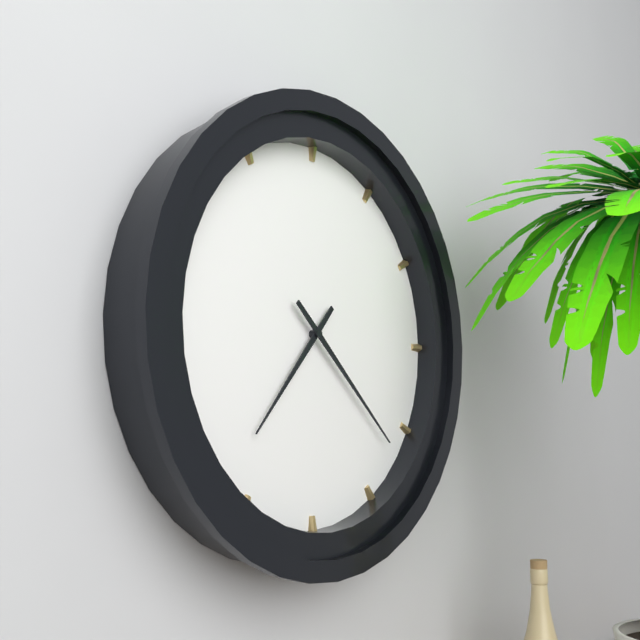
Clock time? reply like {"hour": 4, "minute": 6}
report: {"hour": 7, "minute": 22}
